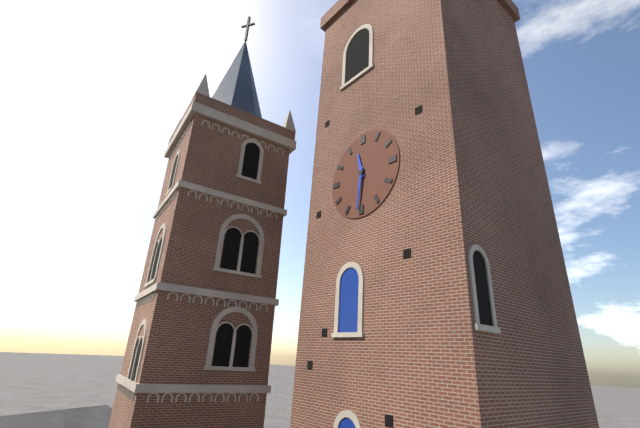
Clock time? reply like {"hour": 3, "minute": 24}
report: {"hour": 11, "minute": 31}
